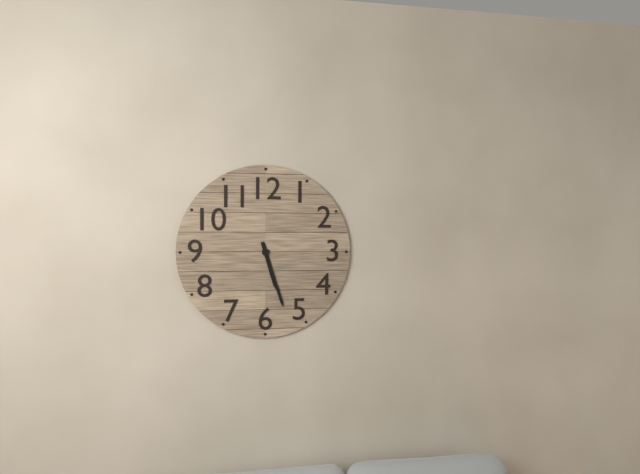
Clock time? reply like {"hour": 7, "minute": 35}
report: {"hour": 5, "minute": 27}
